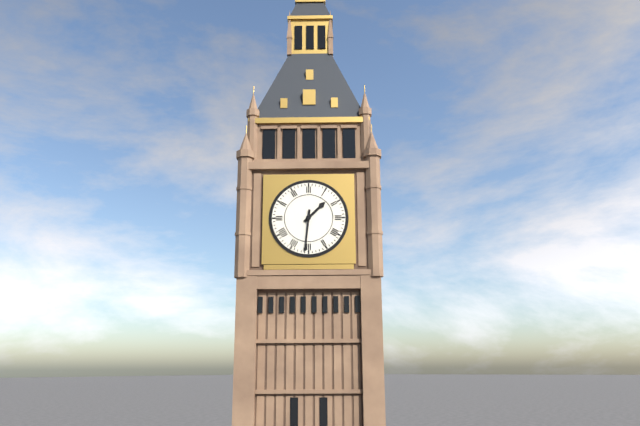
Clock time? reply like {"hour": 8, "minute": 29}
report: {"hour": 1, "minute": 31}
